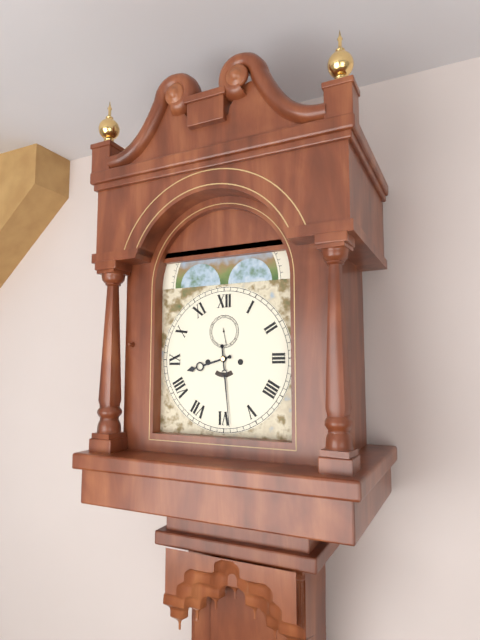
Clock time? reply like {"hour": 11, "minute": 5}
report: {"hour": 8, "minute": 29}
